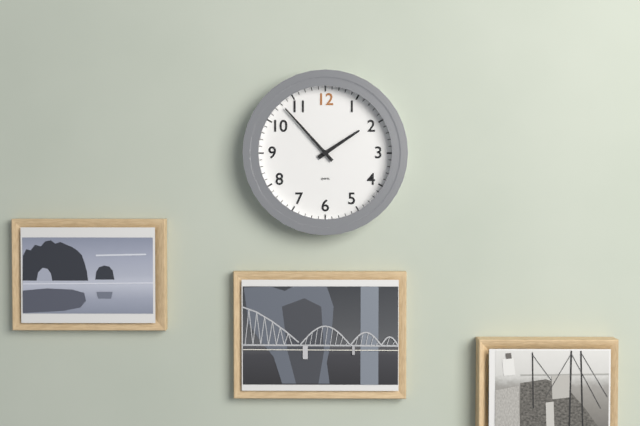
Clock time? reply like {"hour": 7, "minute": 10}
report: {"hour": 1, "minute": 53}
